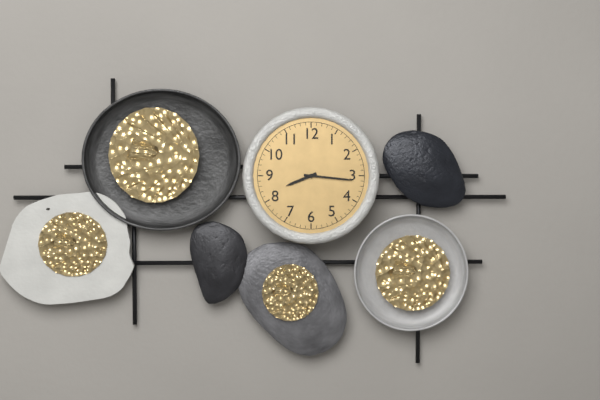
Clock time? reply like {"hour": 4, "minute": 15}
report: {"hour": 8, "minute": 16}
